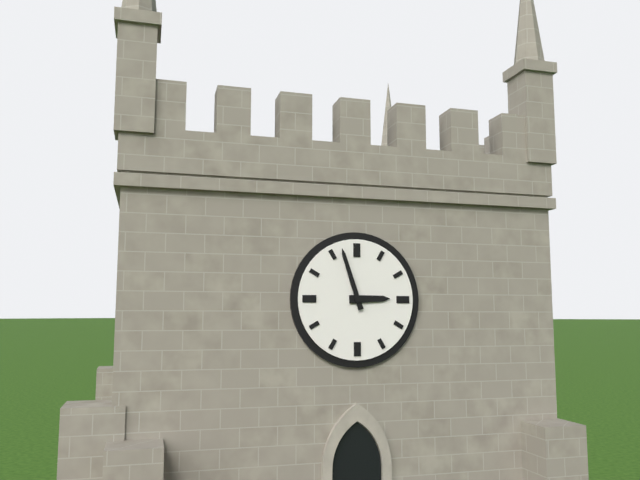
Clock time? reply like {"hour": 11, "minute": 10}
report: {"hour": 2, "minute": 57}
